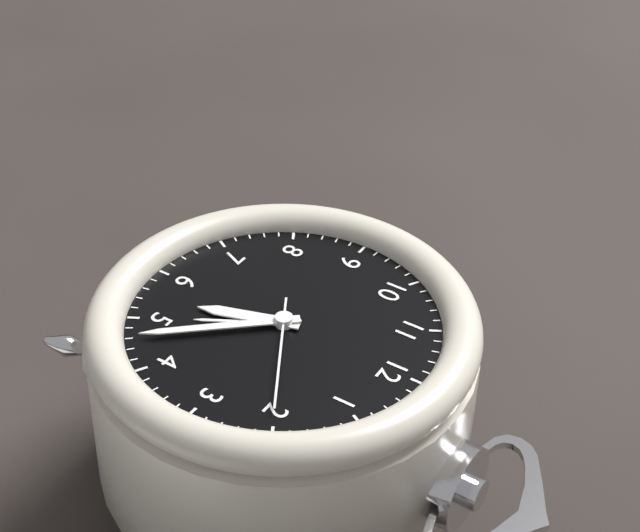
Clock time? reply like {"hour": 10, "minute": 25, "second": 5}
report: {"hour": 5, "minute": 23, "second": 10}
